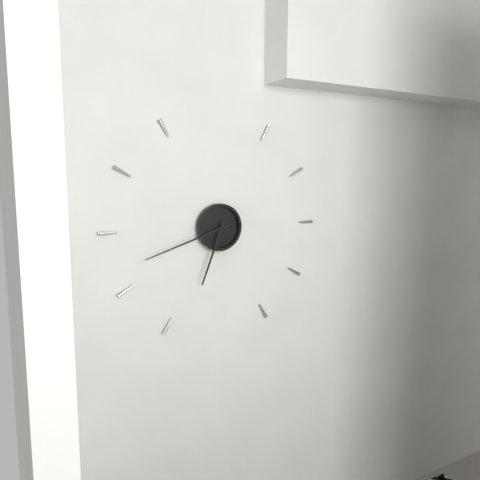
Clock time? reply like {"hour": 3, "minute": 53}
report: {"hour": 6, "minute": 42}
